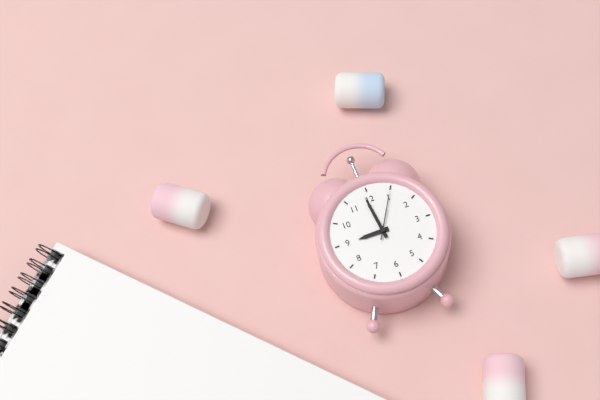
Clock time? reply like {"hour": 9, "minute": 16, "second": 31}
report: {"hour": 8, "minute": 59, "second": 5}
